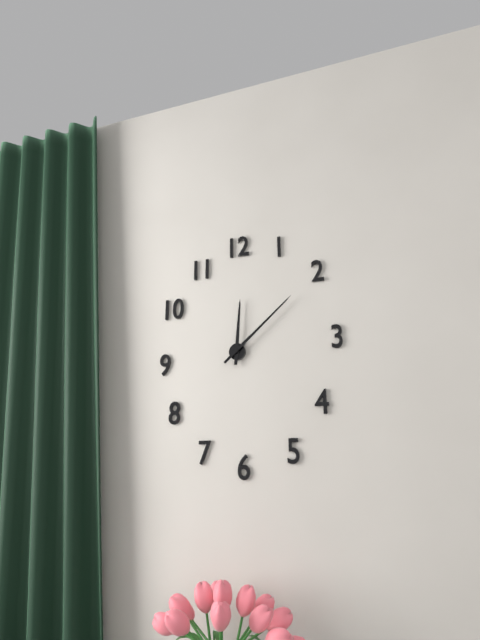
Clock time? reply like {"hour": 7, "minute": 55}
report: {"hour": 12, "minute": 8}
